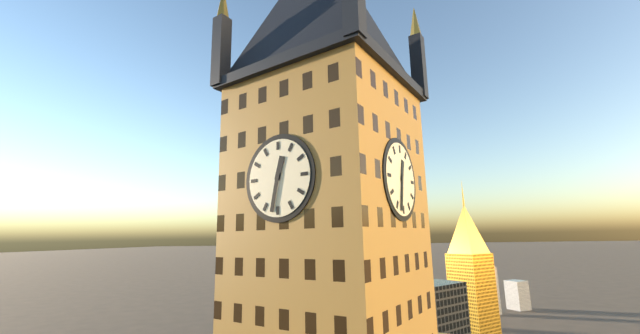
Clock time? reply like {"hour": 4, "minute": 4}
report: {"hour": 12, "minute": 32}
